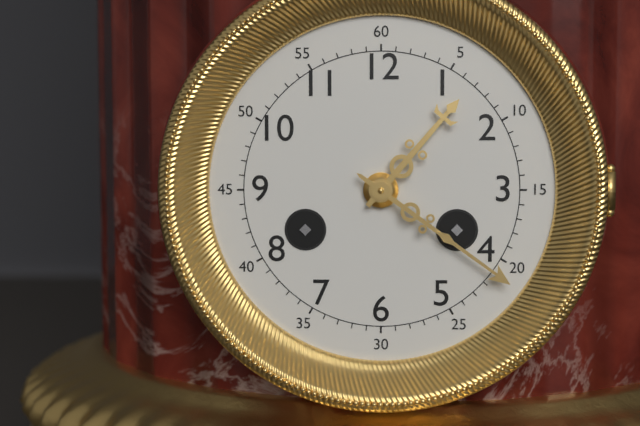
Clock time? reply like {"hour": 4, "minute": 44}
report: {"hour": 1, "minute": 21}
